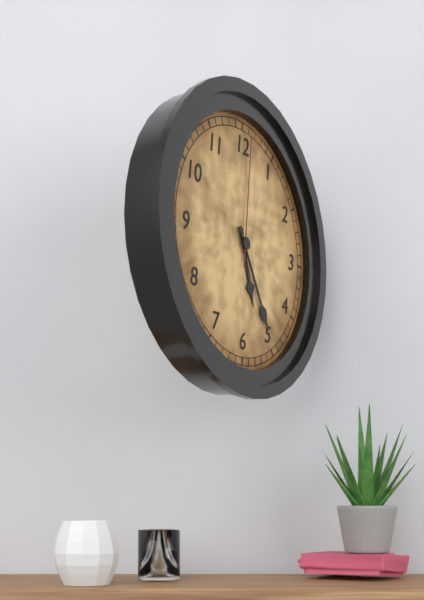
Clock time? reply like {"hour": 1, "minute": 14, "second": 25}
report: {"hour": 5, "minute": 25, "second": 1}
